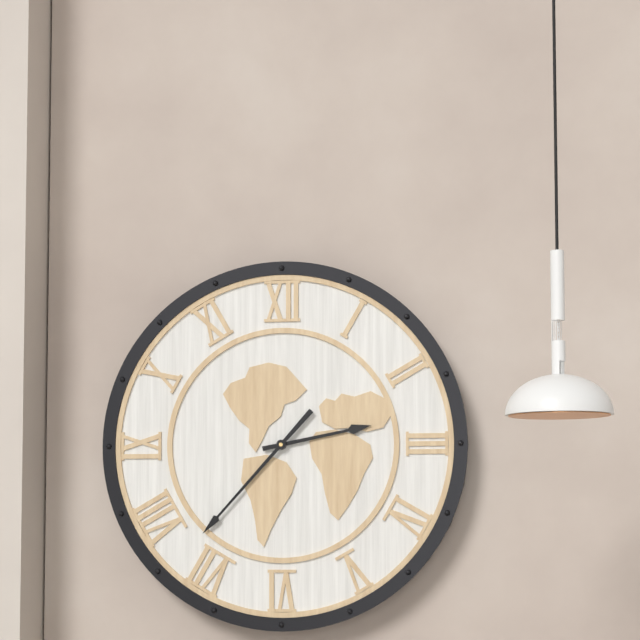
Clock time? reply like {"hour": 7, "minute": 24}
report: {"hour": 2, "minute": 37}
